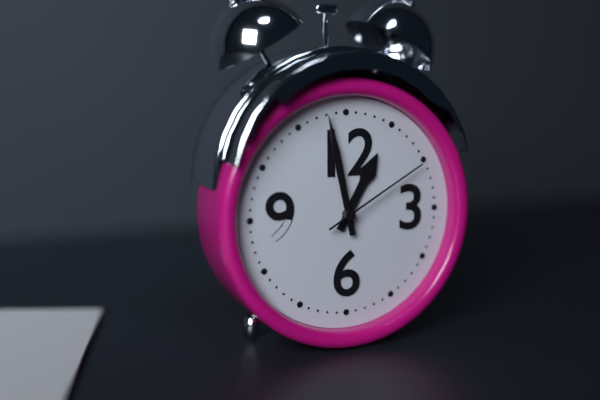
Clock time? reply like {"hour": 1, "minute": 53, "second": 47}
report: {"hour": 12, "minute": 58, "second": 10}
